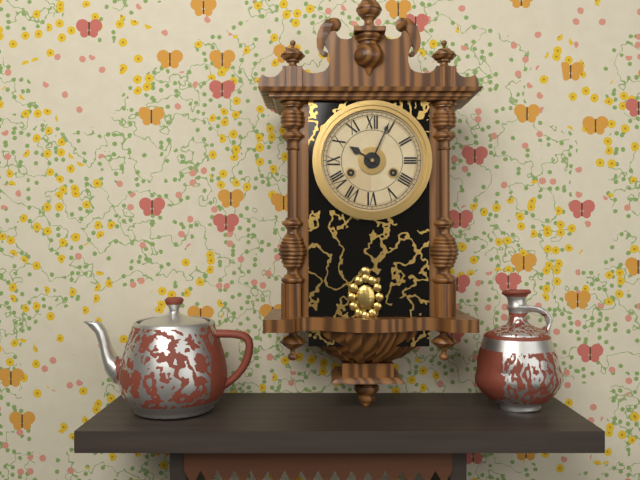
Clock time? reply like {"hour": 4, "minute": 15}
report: {"hour": 10, "minute": 4}
